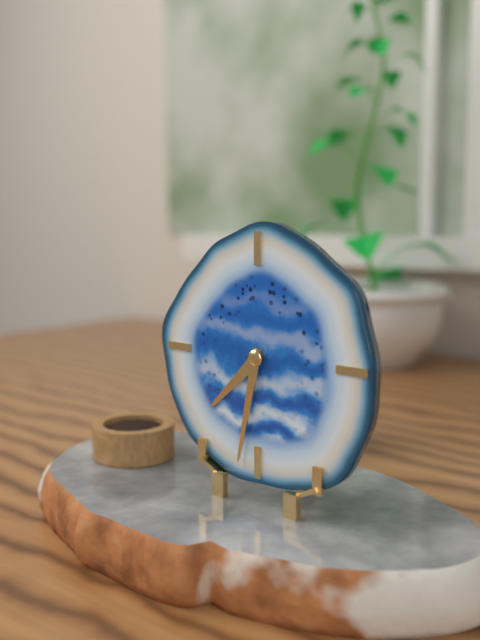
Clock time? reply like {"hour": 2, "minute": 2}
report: {"hour": 7, "minute": 32}
